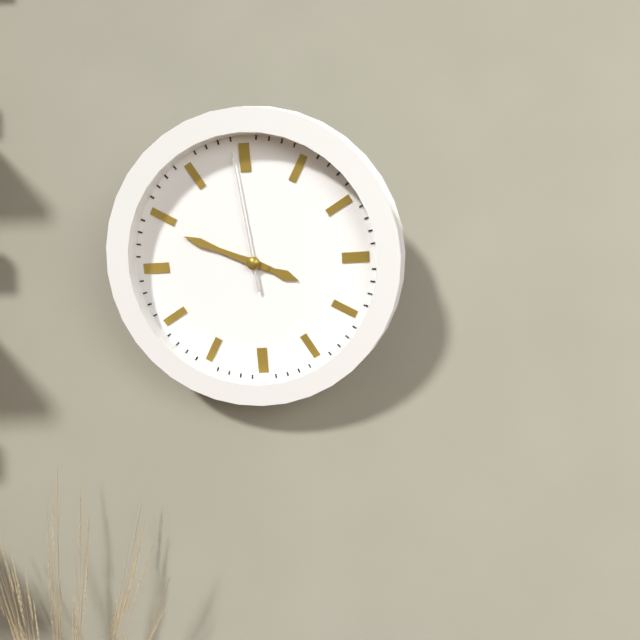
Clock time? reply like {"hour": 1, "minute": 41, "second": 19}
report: {"hour": 3, "minute": 49, "second": 59}
